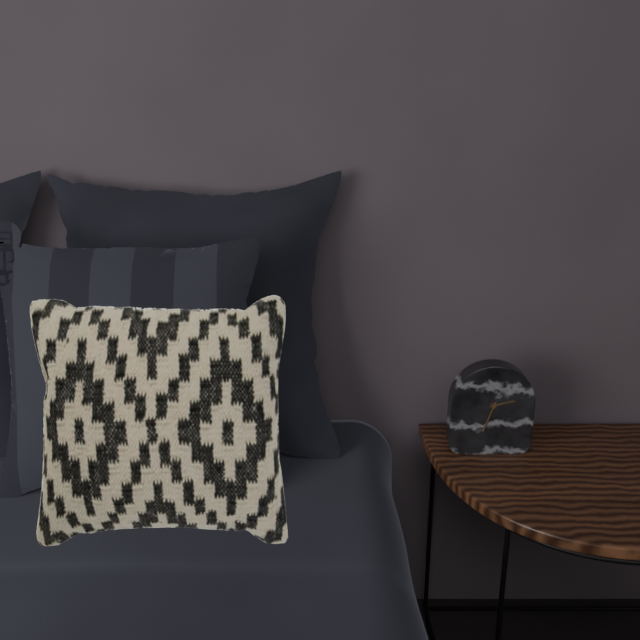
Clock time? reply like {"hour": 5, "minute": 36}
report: {"hour": 2, "minute": 33}
